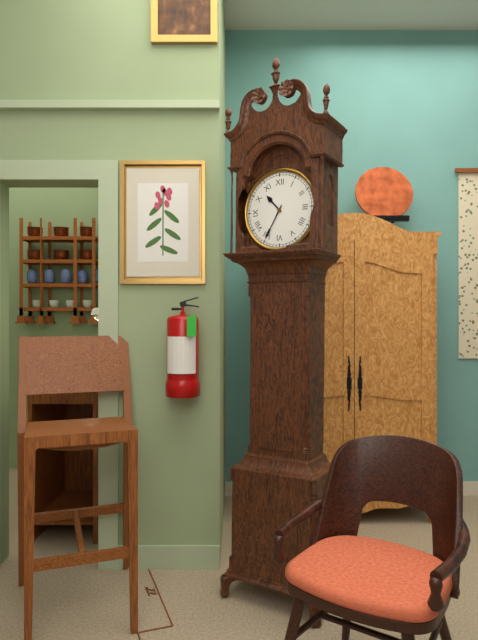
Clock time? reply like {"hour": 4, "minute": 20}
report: {"hour": 10, "minute": 35}
